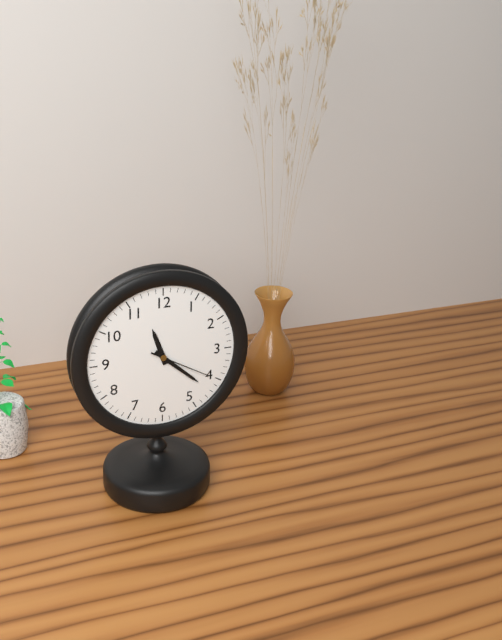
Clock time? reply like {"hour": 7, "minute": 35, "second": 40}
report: {"hour": 11, "minute": 22, "second": 20}
